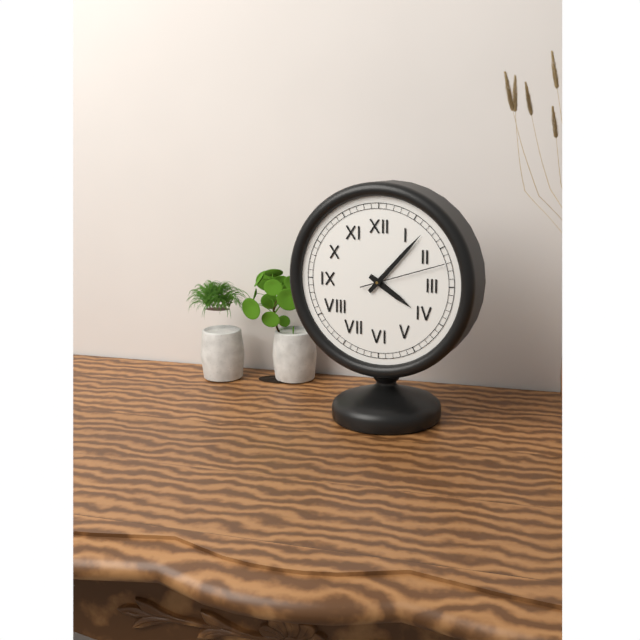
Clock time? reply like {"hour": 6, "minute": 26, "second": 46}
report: {"hour": 4, "minute": 7, "second": 12}
